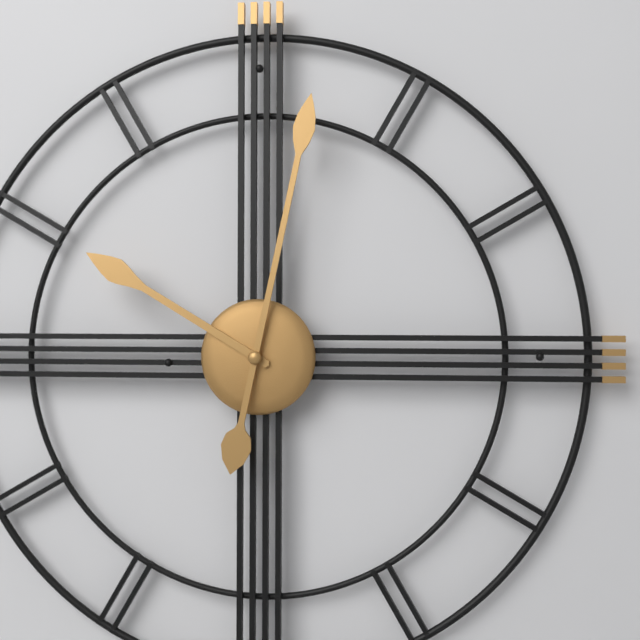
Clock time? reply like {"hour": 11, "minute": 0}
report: {"hour": 10, "minute": 2}
